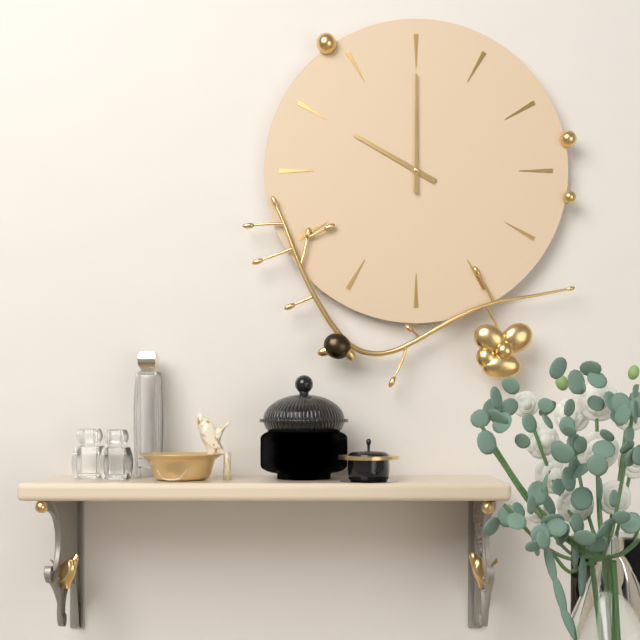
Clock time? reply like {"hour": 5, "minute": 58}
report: {"hour": 10, "minute": 0}
